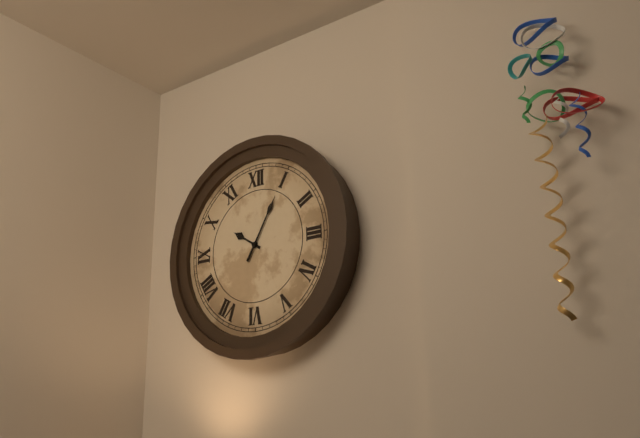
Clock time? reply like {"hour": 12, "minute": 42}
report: {"hour": 10, "minute": 5}
